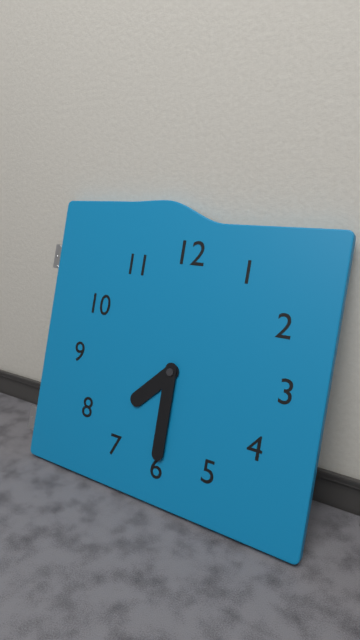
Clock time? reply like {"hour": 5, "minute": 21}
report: {"hour": 7, "minute": 30}
